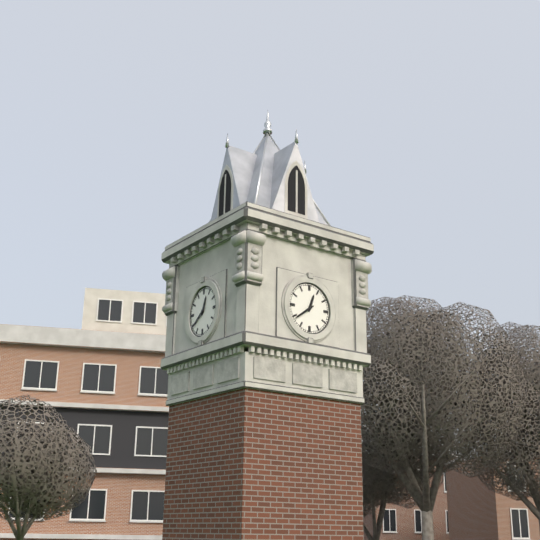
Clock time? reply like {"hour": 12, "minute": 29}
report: {"hour": 12, "minute": 39}
